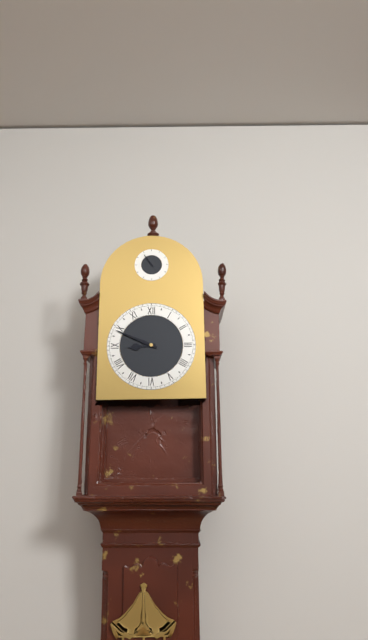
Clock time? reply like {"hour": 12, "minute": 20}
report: {"hour": 8, "minute": 49}
